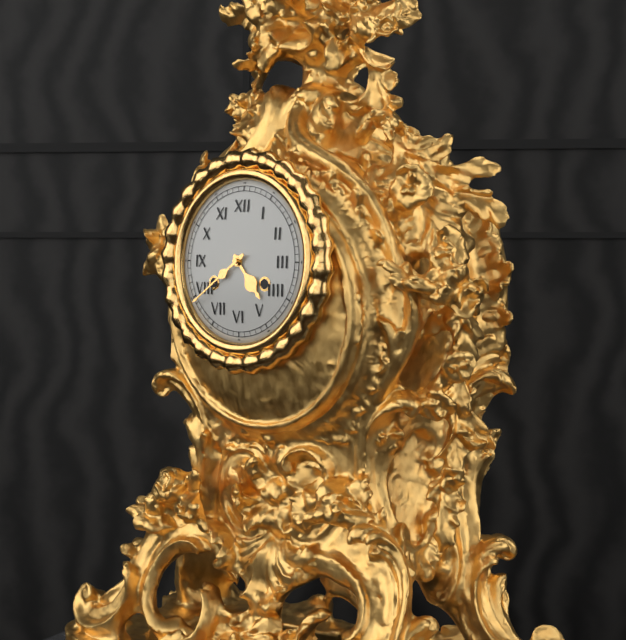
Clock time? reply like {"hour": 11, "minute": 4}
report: {"hour": 4, "minute": 39}
